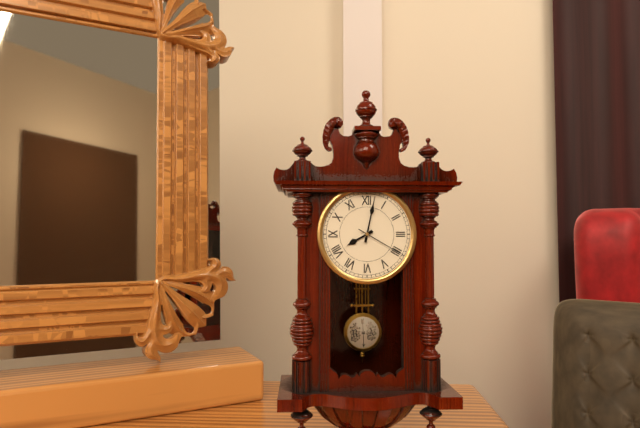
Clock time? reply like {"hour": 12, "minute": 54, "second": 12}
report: {"hour": 8, "minute": 2, "second": 20}
